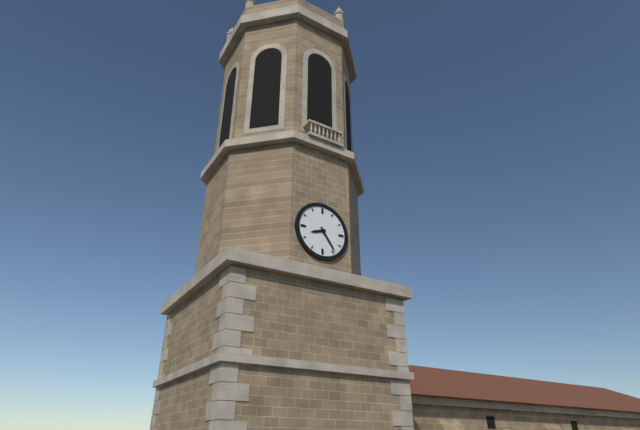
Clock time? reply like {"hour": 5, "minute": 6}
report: {"hour": 8, "minute": 24}
